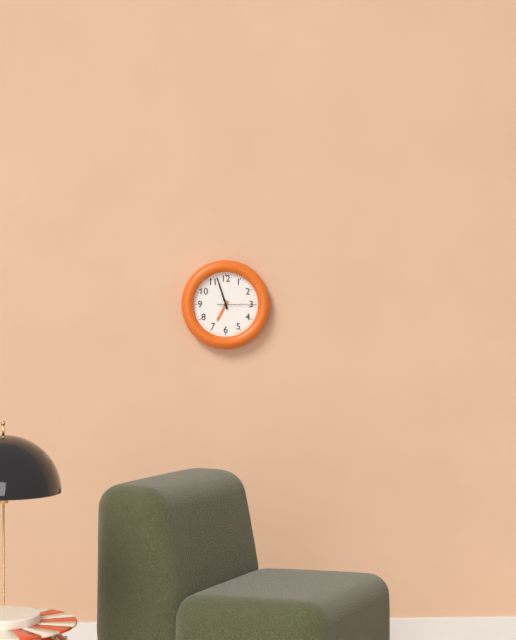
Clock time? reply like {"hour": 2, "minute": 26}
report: {"hour": 6, "minute": 57}
